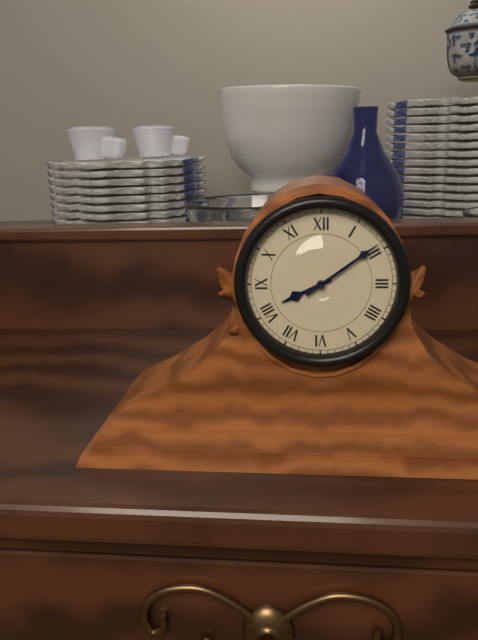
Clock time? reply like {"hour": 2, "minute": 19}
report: {"hour": 8, "minute": 9}
